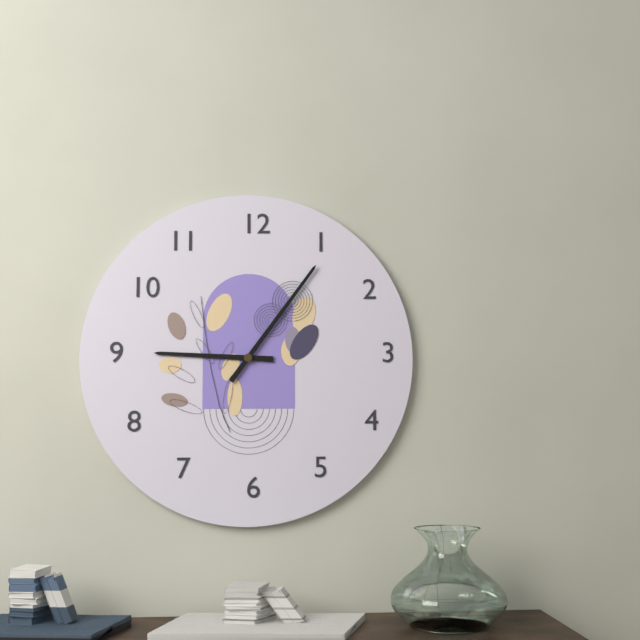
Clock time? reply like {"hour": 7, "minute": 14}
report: {"hour": 9, "minute": 6}
